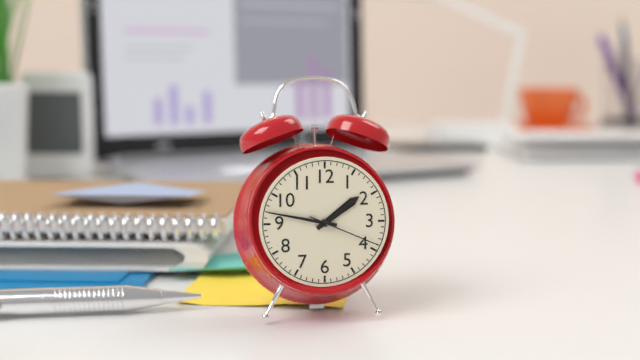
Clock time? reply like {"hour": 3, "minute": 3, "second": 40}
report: {"hour": 1, "minute": 47, "second": 19}
